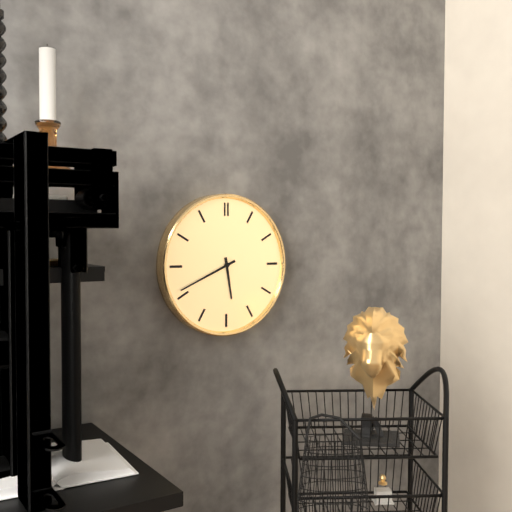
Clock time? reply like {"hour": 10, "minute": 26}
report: {"hour": 5, "minute": 41}
